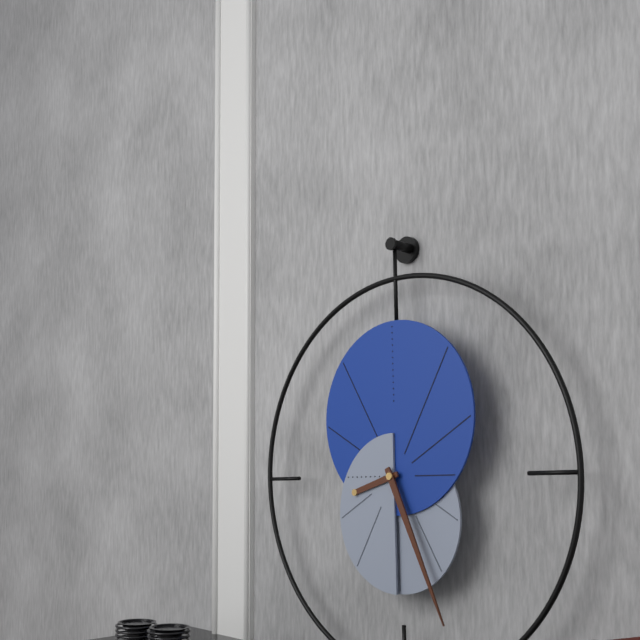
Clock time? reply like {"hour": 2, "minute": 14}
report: {"hour": 8, "minute": 26}
